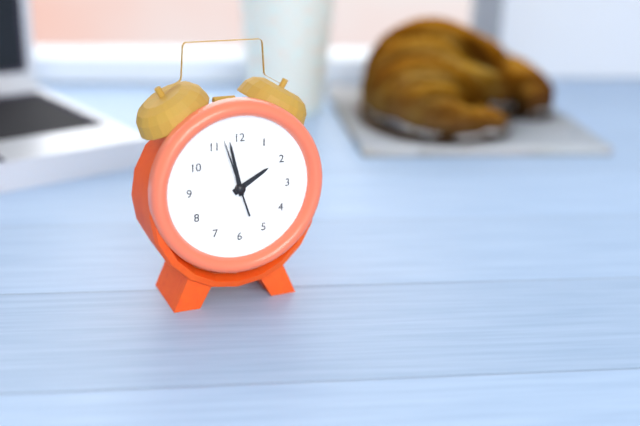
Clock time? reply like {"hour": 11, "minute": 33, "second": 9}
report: {"hour": 1, "minute": 58, "second": 57}
